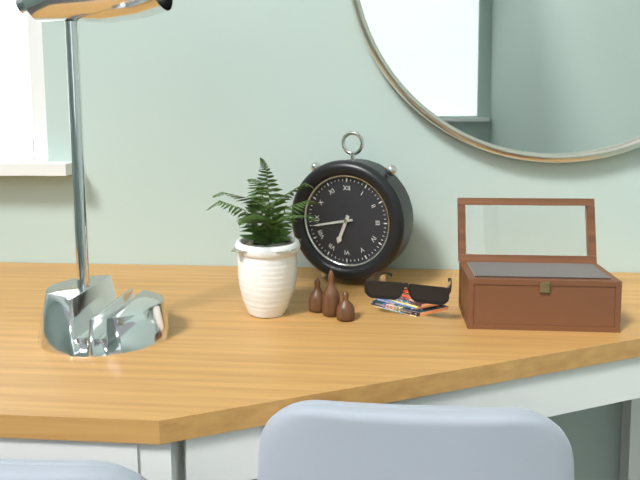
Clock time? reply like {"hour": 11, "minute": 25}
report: {"hour": 6, "minute": 43}
